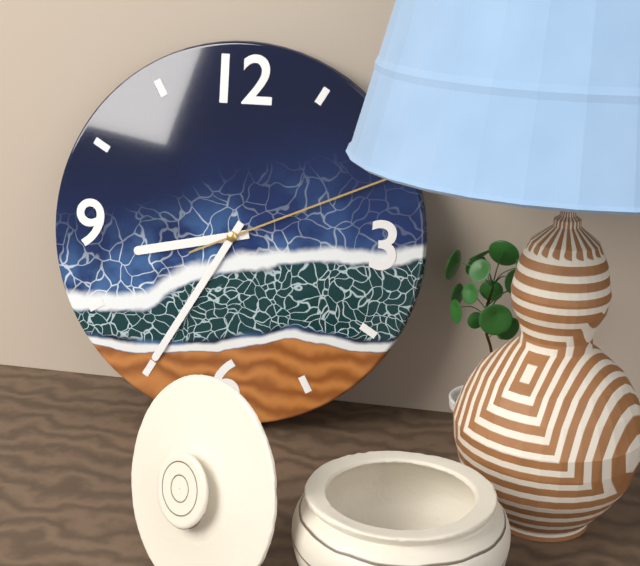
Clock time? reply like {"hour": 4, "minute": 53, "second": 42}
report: {"hour": 8, "minute": 35, "second": 11}
